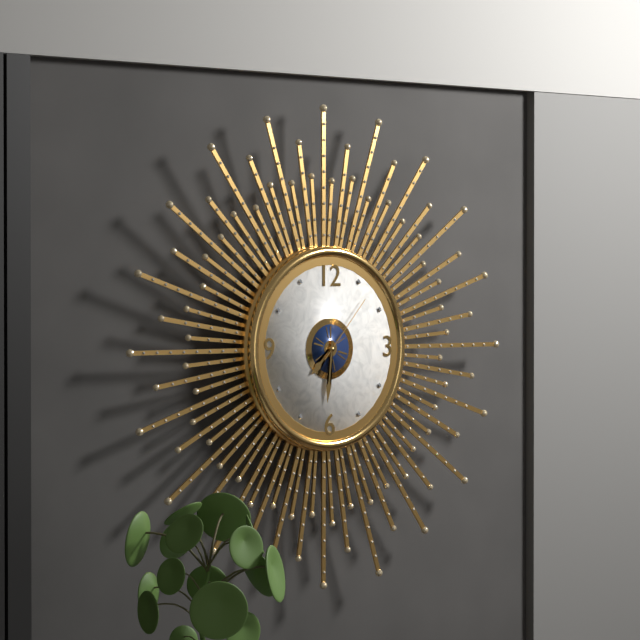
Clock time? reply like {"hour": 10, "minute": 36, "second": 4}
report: {"hour": 7, "minute": 31, "second": 7}
